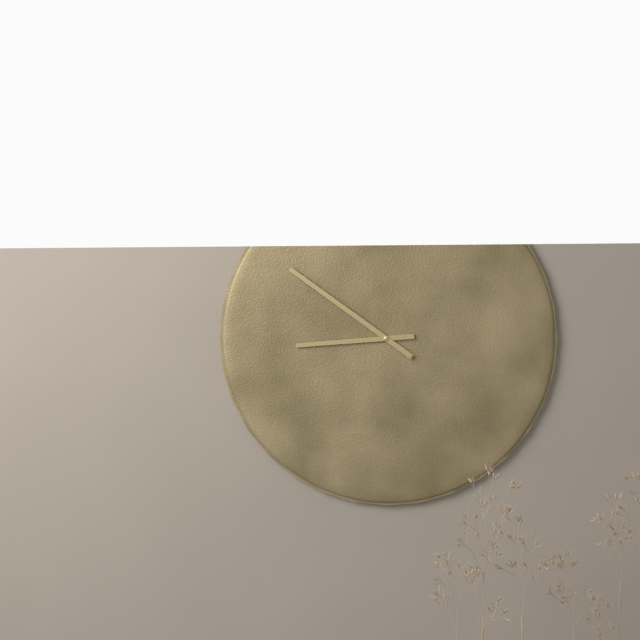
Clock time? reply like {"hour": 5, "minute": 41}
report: {"hour": 8, "minute": 51}
